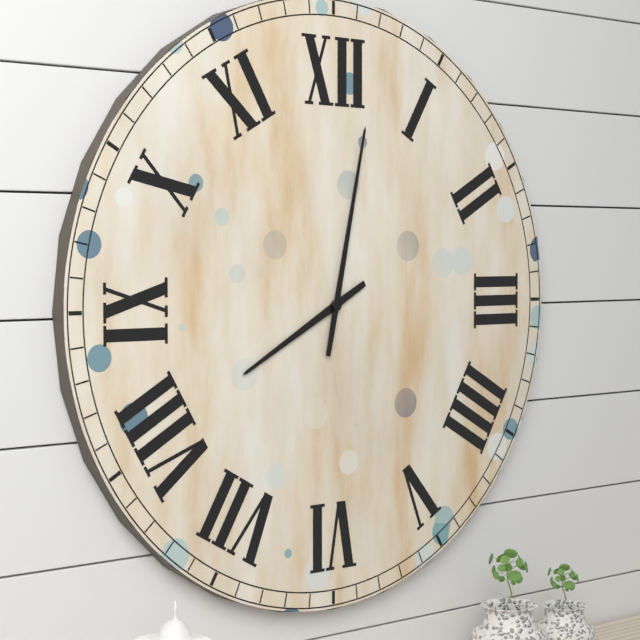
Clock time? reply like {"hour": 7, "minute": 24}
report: {"hour": 8, "minute": 2}
